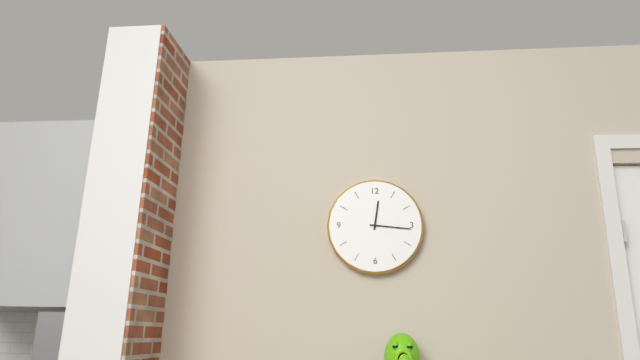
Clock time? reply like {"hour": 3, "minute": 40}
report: {"hour": 12, "minute": 16}
